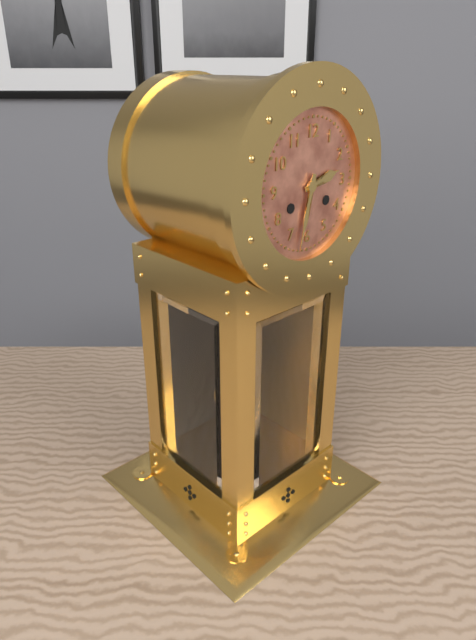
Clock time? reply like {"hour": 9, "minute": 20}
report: {"hour": 2, "minute": 32}
